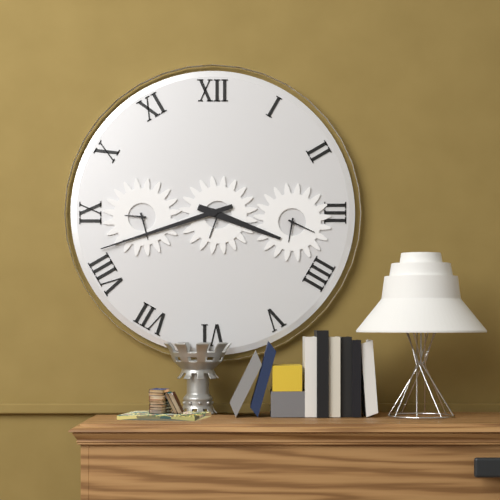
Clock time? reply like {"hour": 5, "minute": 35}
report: {"hour": 3, "minute": 42}
